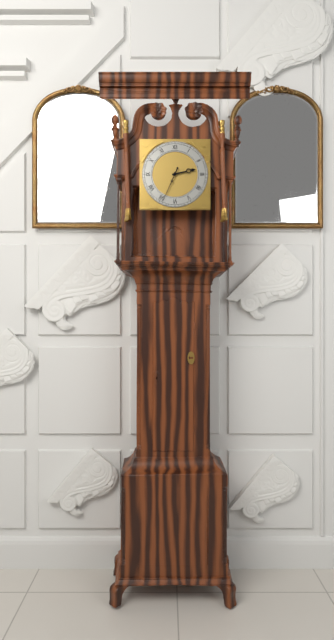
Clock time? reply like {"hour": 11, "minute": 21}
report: {"hour": 2, "minute": 34}
